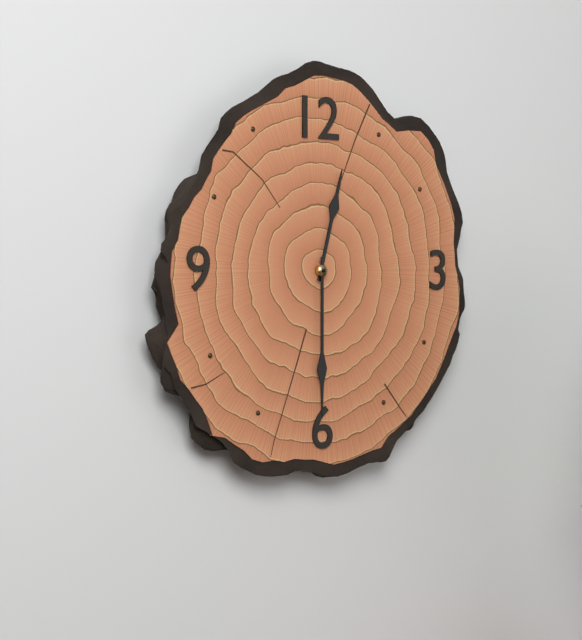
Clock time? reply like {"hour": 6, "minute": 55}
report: {"hour": 12, "minute": 30}
